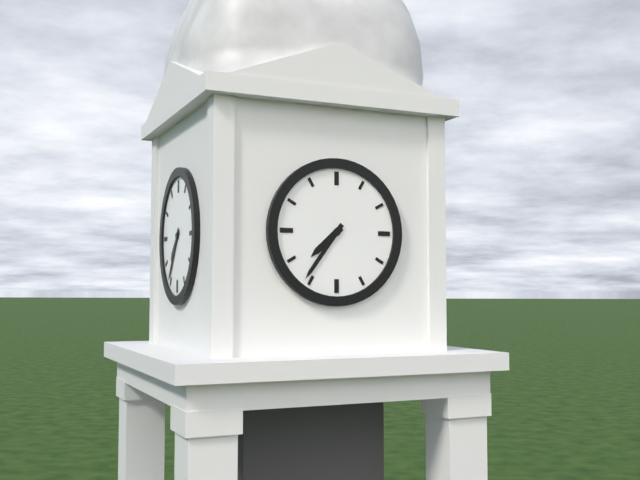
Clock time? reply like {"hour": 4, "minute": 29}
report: {"hour": 7, "minute": 36}
